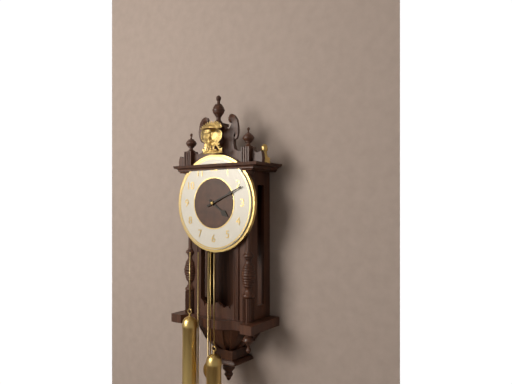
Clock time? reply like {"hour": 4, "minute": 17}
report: {"hour": 4, "minute": 11}
